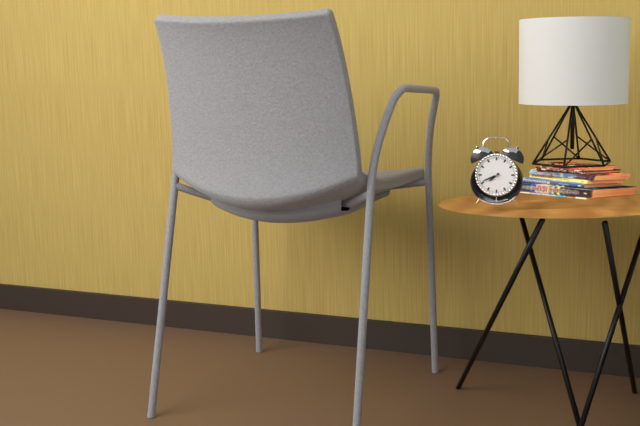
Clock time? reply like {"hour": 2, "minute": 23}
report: {"hour": 7, "minute": 41}
